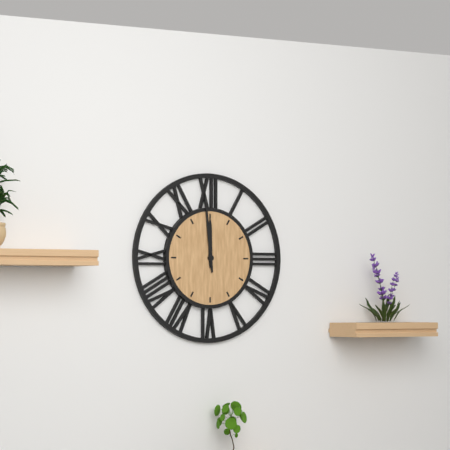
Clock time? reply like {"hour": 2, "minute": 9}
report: {"hour": 11, "minute": 59}
